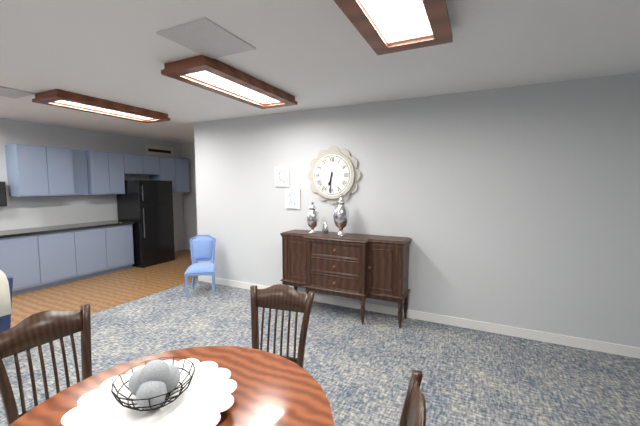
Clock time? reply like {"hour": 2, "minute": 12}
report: {"hour": 6, "minute": 31}
